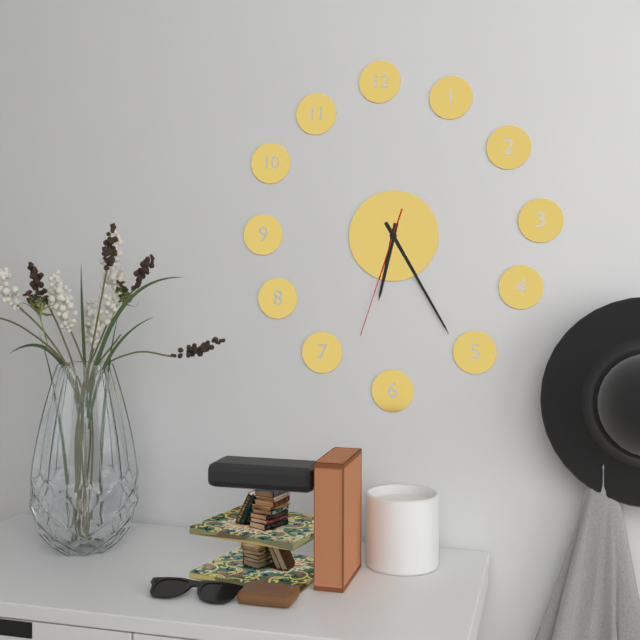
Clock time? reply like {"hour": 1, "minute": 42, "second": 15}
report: {"hour": 6, "minute": 25, "second": 33}
